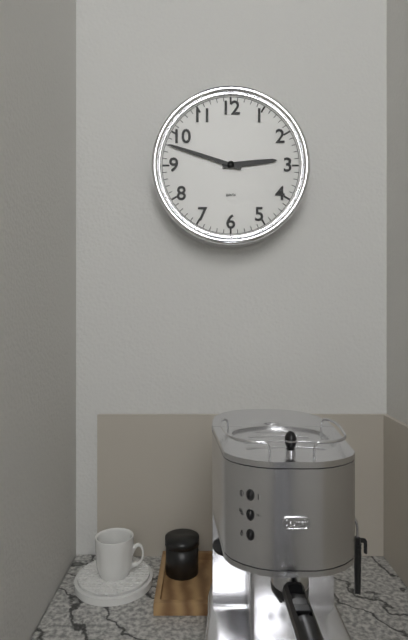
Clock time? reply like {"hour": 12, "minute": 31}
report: {"hour": 2, "minute": 48}
